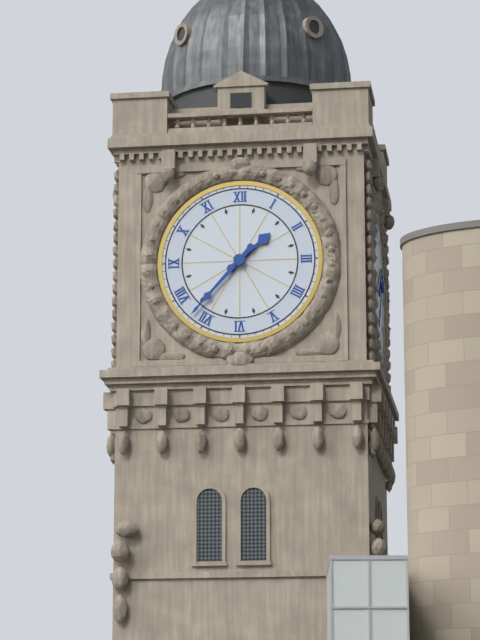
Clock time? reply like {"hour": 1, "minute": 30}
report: {"hour": 1, "minute": 37}
